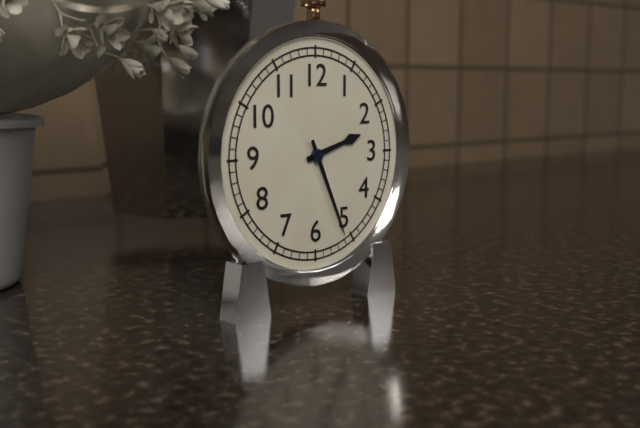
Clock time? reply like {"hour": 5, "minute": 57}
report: {"hour": 2, "minute": 26}
